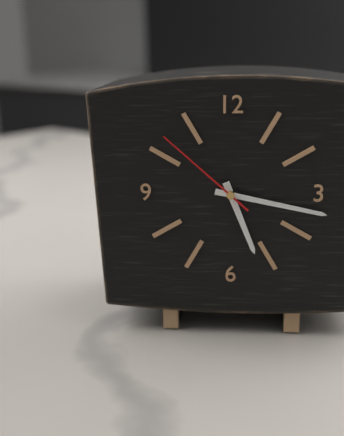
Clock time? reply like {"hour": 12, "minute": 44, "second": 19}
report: {"hour": 5, "minute": 17, "second": 52}
